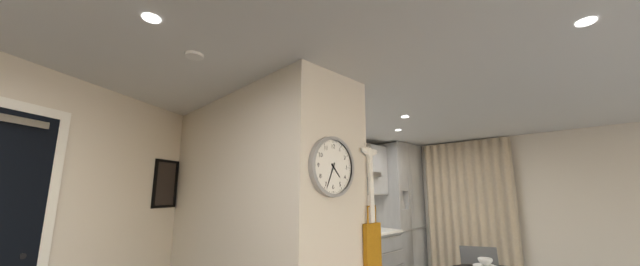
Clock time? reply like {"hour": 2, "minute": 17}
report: {"hour": 4, "minute": 34}
